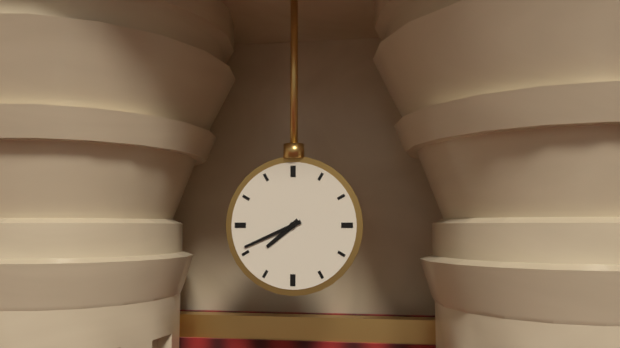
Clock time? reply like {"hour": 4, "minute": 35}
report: {"hour": 7, "minute": 41}
